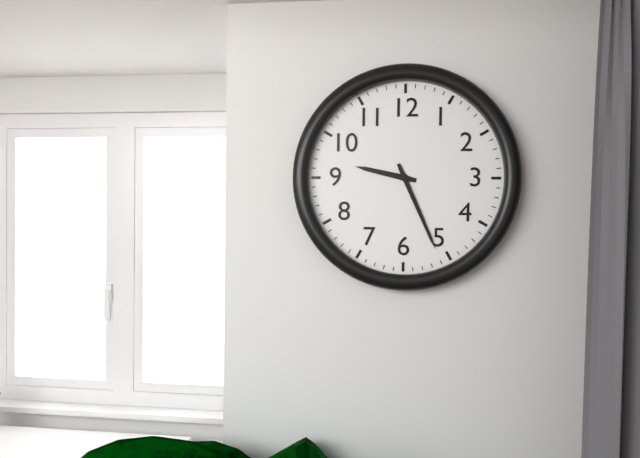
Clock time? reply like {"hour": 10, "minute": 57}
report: {"hour": 9, "minute": 26}
